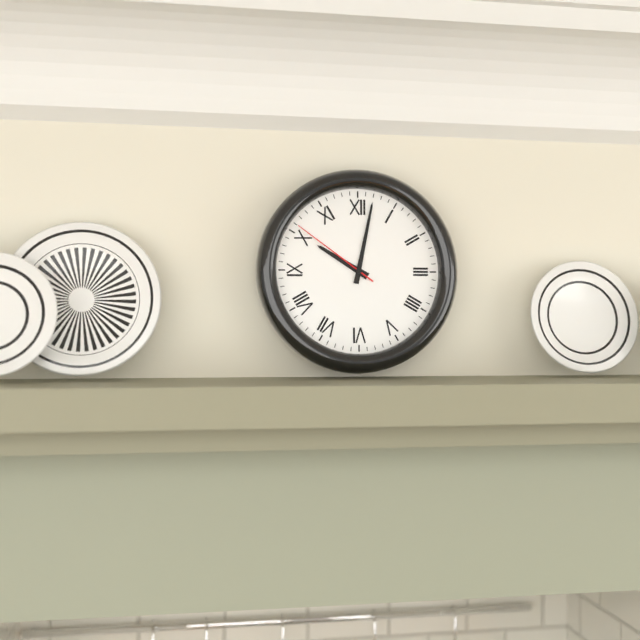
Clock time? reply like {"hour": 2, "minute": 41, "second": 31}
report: {"hour": 10, "minute": 2, "second": 51}
